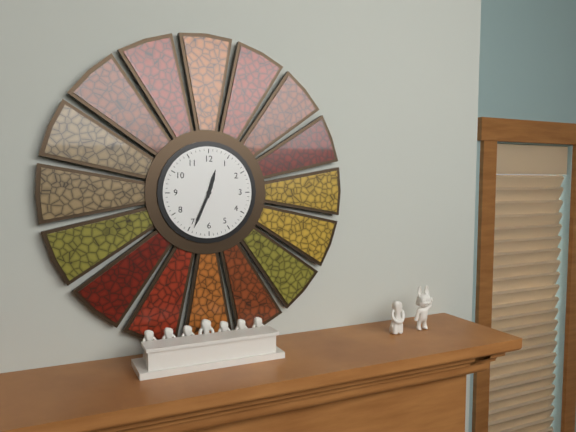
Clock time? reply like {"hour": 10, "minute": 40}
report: {"hour": 12, "minute": 34}
